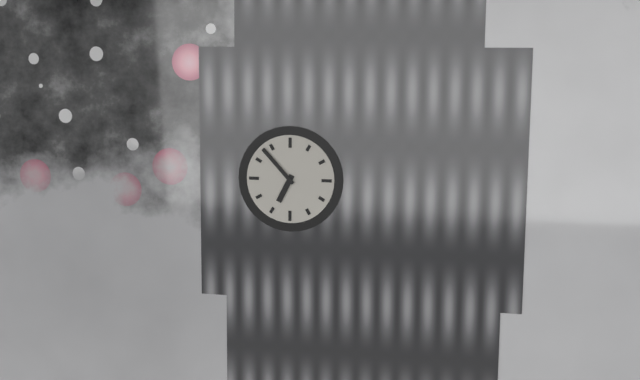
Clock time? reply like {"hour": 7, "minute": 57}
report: {"hour": 6, "minute": 53}
